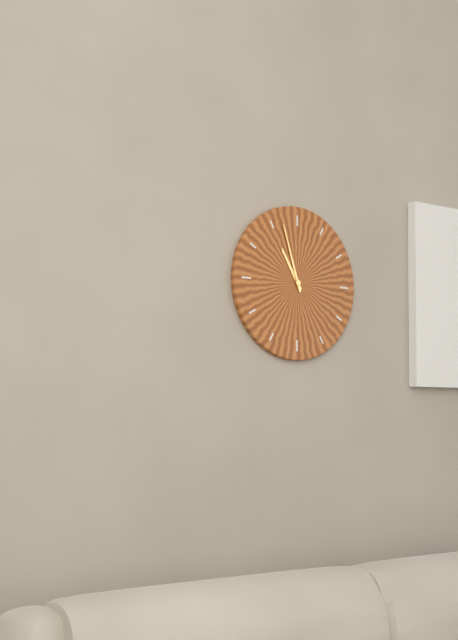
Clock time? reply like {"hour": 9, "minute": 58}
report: {"hour": 10, "minute": 57}
